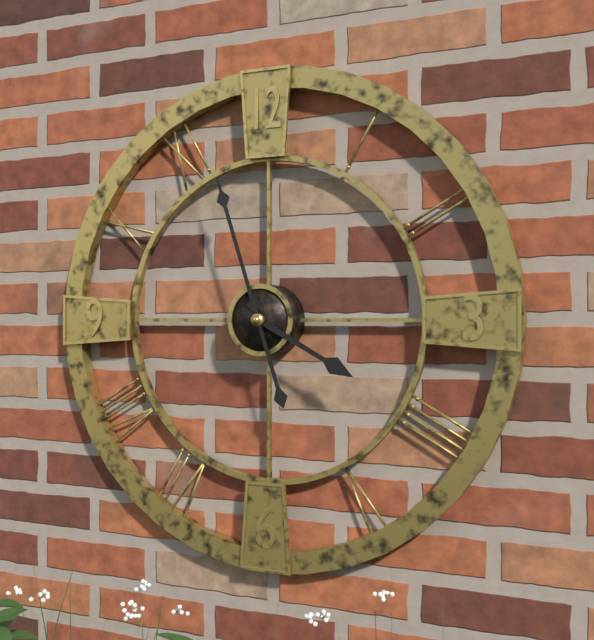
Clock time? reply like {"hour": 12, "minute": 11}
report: {"hour": 3, "minute": 57}
